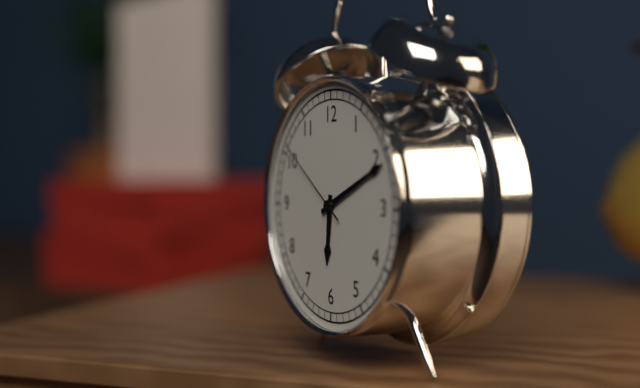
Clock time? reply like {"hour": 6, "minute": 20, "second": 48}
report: {"hour": 6, "minute": 11, "second": 51}
